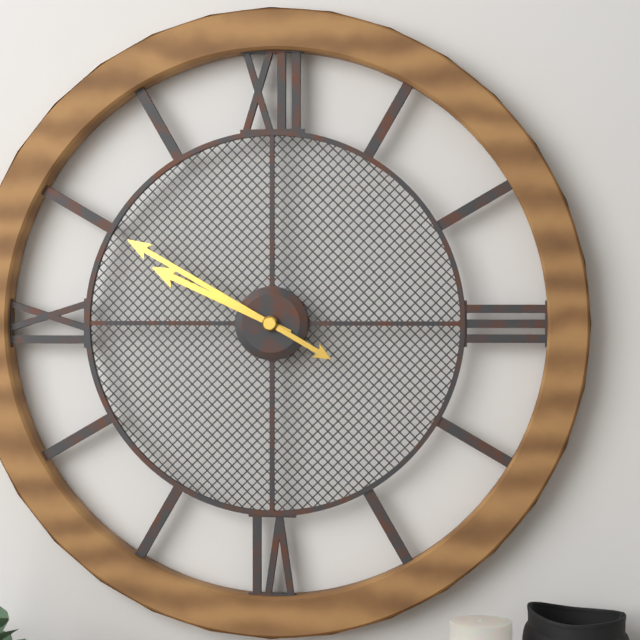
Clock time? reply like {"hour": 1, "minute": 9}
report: {"hour": 9, "minute": 50}
